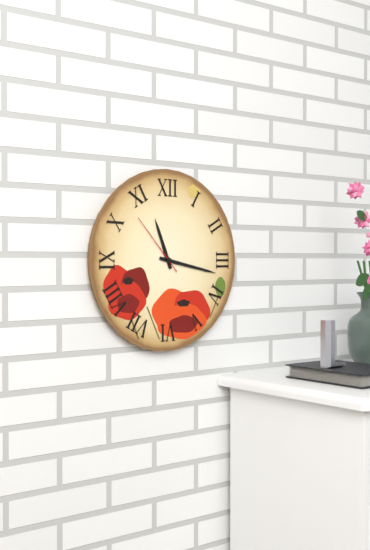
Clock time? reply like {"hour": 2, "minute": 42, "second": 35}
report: {"hour": 11, "minute": 17, "second": 53}
